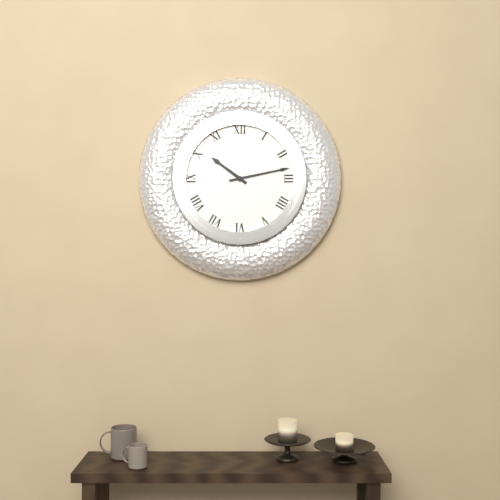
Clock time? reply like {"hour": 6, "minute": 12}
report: {"hour": 10, "minute": 13}
